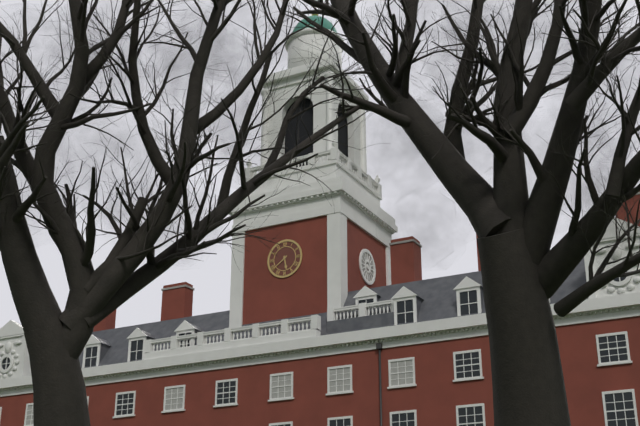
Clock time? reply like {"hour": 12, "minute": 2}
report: {"hour": 5, "minute": 39}
